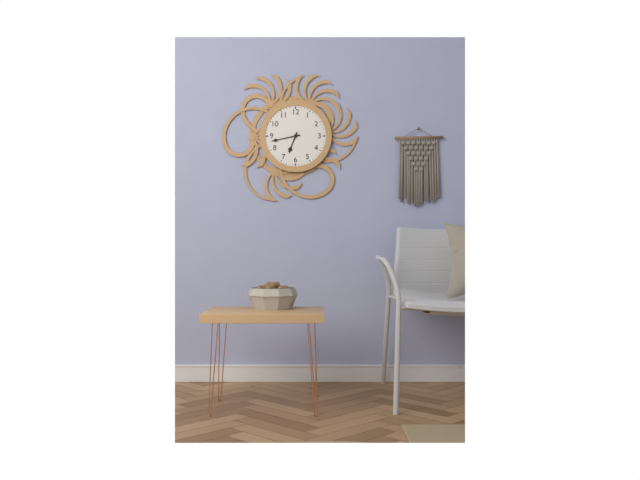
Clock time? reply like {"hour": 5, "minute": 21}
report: {"hour": 6, "minute": 43}
